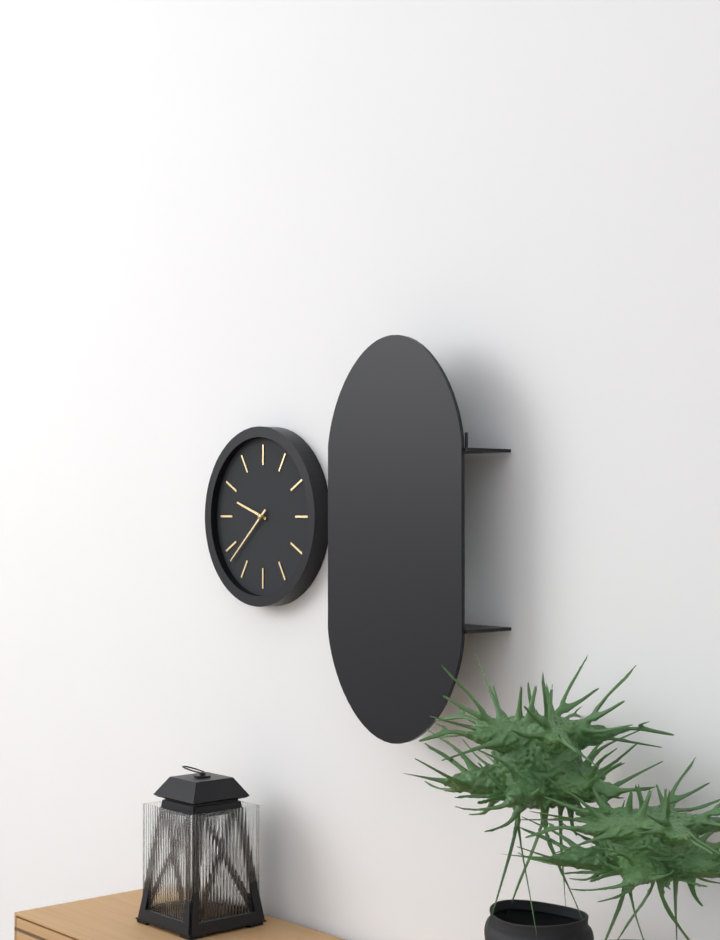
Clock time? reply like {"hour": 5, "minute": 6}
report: {"hour": 9, "minute": 38}
